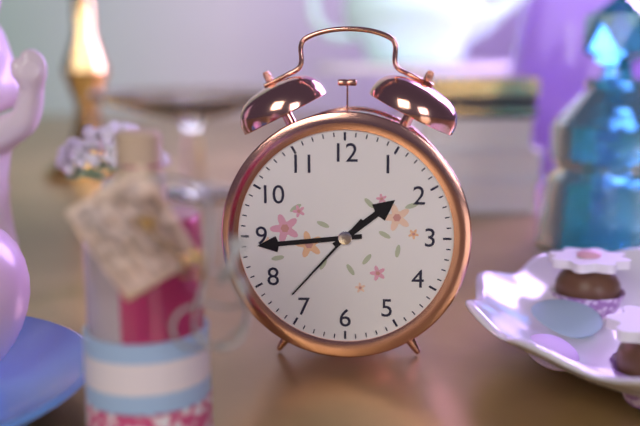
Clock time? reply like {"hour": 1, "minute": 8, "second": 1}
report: {"hour": 1, "minute": 44, "second": 37}
